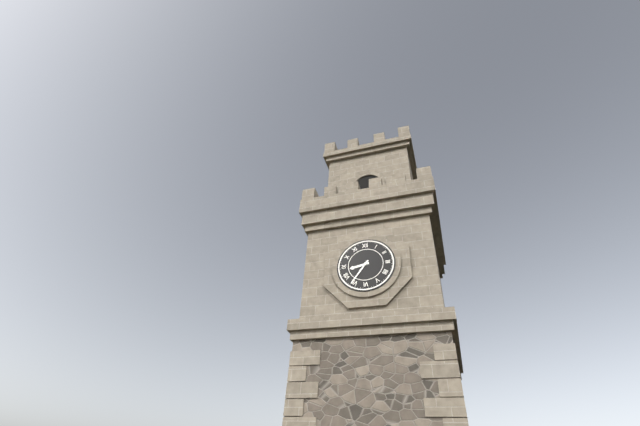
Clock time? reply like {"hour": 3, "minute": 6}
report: {"hour": 8, "minute": 36}
